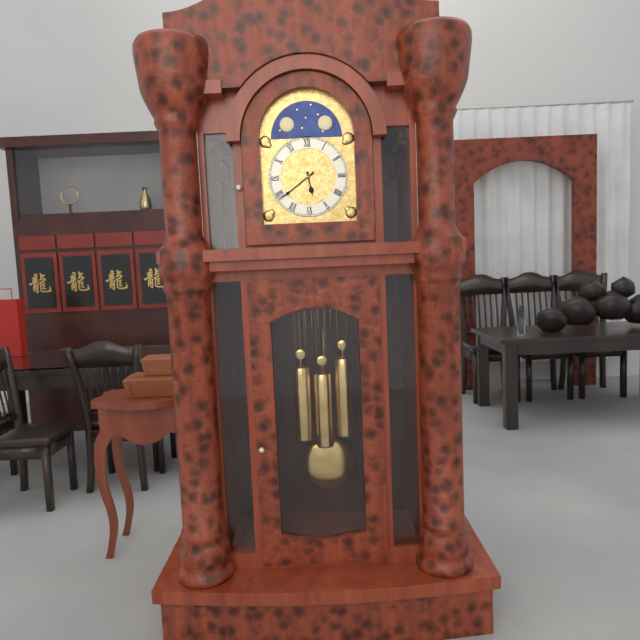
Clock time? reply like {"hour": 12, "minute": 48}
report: {"hour": 5, "minute": 39}
